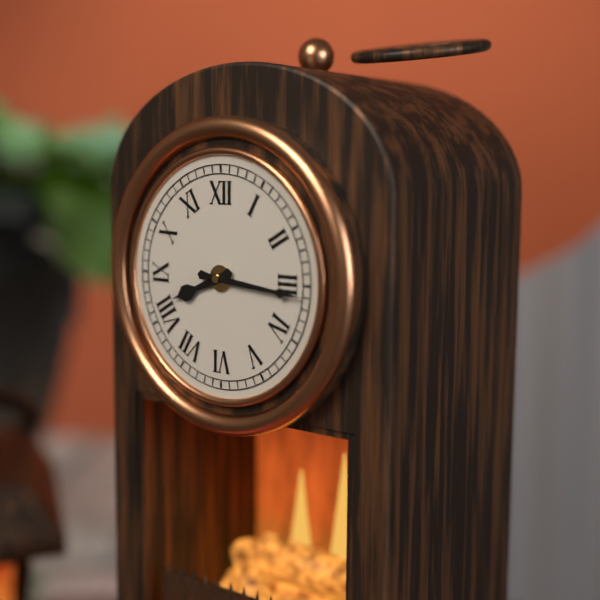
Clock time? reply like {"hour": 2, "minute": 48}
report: {"hour": 8, "minute": 16}
